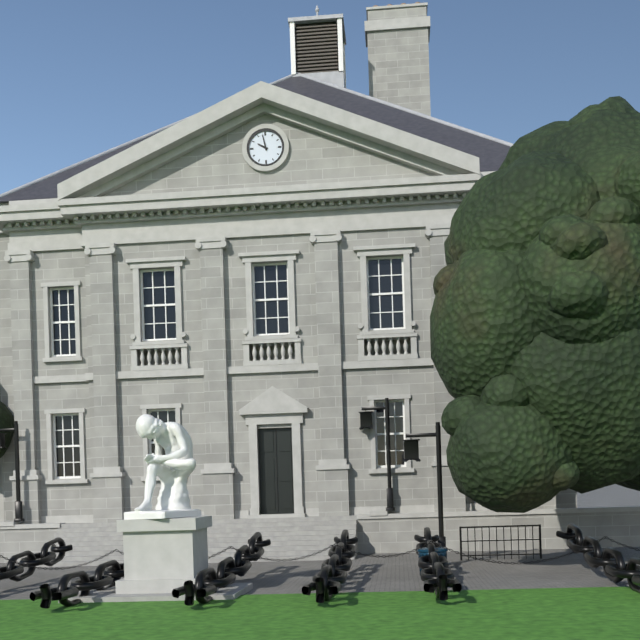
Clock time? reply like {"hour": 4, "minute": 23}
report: {"hour": 9, "minute": 58}
